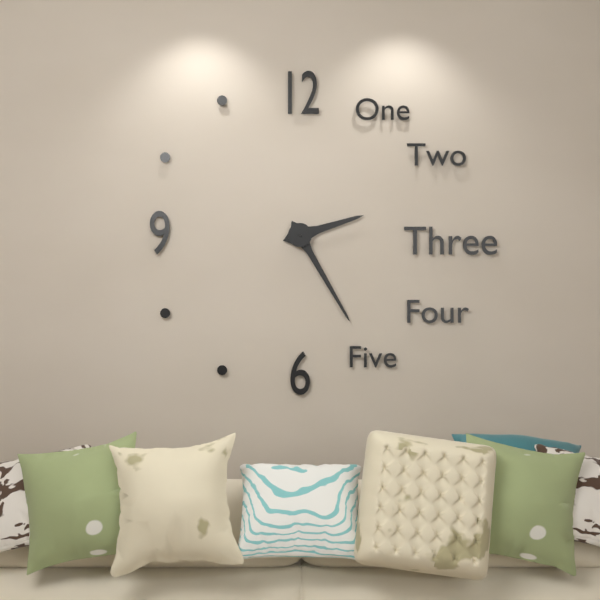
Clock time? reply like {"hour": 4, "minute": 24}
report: {"hour": 2, "minute": 25}
